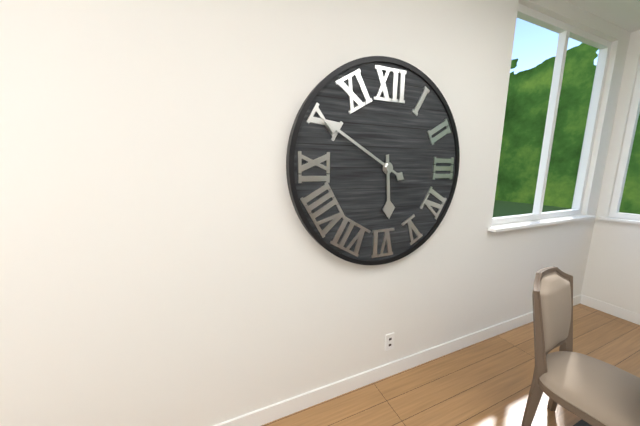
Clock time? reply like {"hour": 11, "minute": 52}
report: {"hour": 5, "minute": 50}
